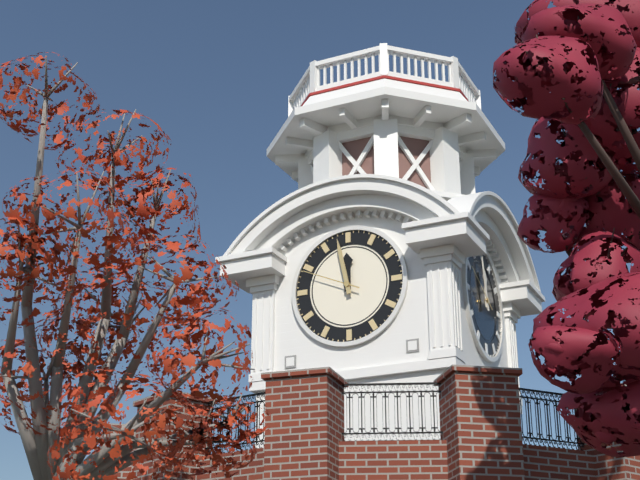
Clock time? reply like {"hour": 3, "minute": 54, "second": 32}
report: {"hour": 11, "minute": 58, "second": 49}
